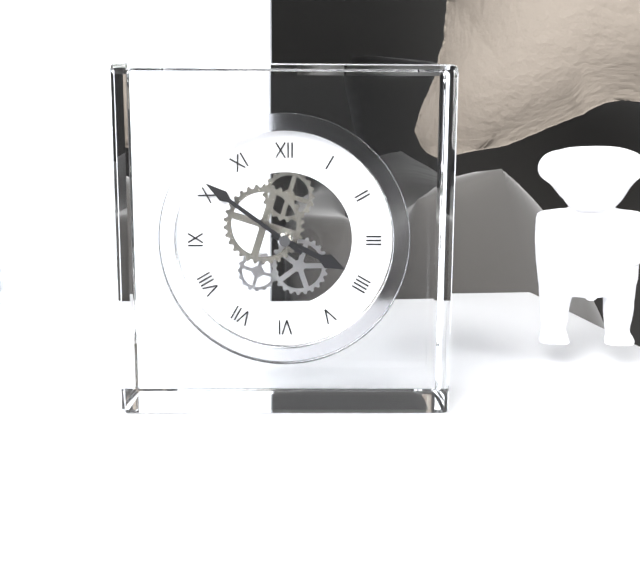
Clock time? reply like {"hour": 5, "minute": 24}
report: {"hour": 3, "minute": 51}
